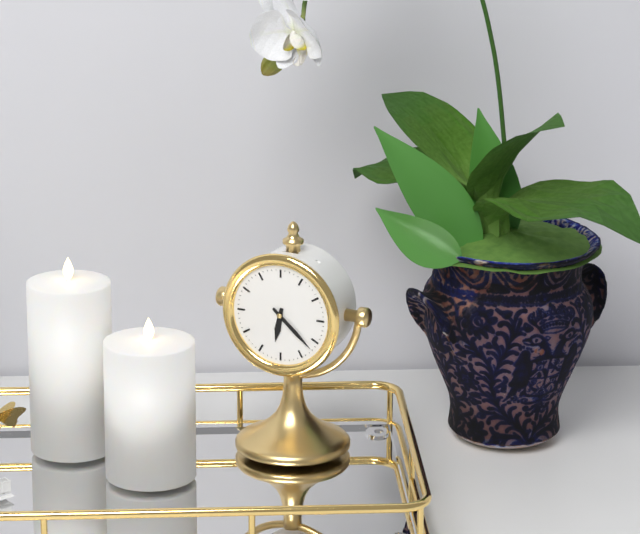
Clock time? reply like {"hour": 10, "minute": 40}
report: {"hour": 6, "minute": 22}
